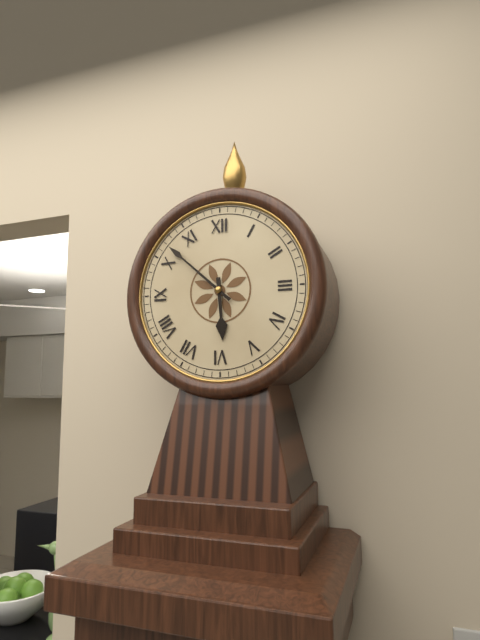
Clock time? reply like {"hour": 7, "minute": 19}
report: {"hour": 5, "minute": 52}
